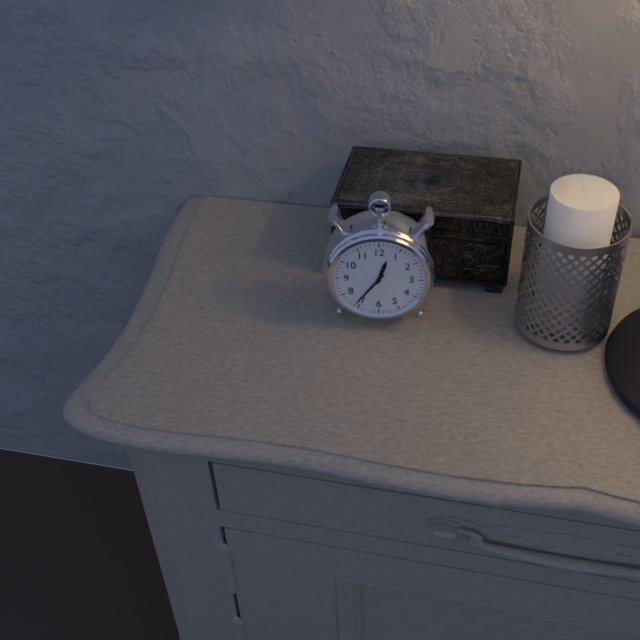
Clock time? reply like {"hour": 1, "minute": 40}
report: {"hour": 12, "minute": 36}
